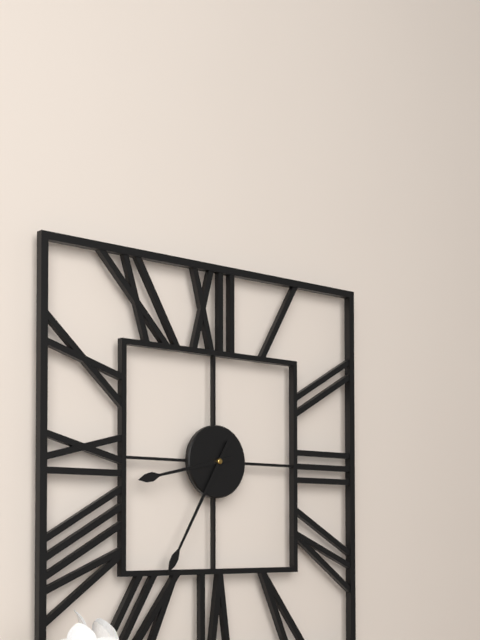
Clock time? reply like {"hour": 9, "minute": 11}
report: {"hour": 8, "minute": 35}
